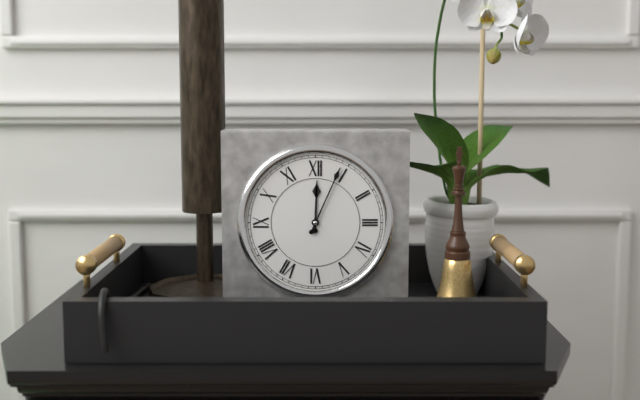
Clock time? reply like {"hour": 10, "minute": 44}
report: {"hour": 12, "minute": 4}
